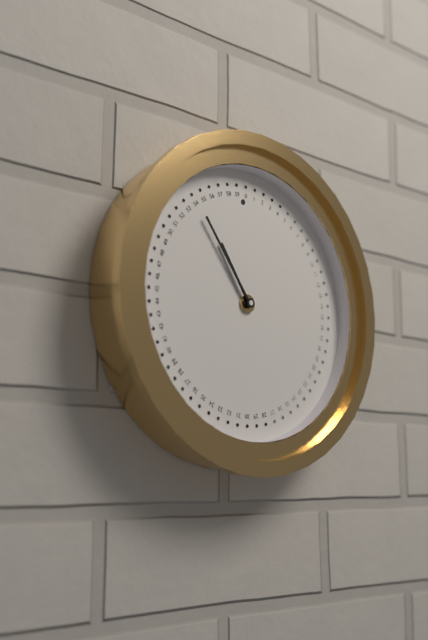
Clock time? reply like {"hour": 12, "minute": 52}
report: {"hour": 10, "minute": 54}
